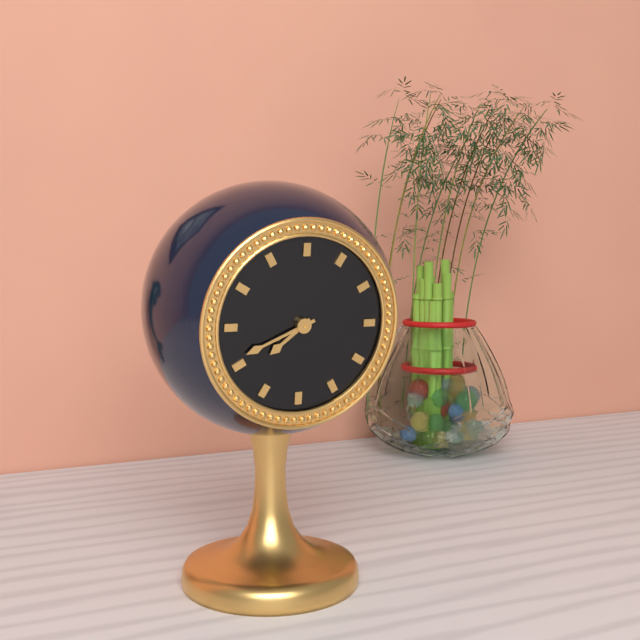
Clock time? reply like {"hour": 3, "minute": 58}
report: {"hour": 7, "minute": 41}
